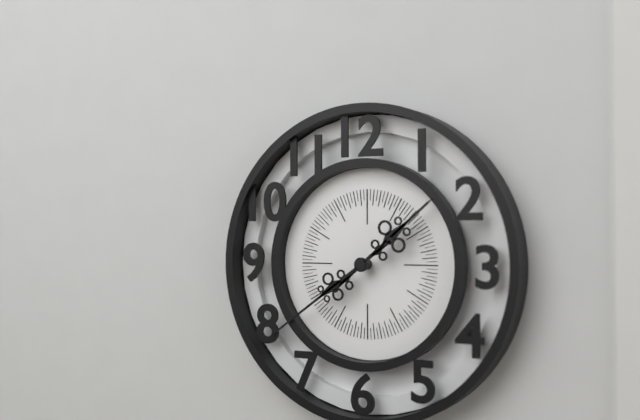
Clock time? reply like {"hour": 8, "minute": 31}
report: {"hour": 1, "minute": 39}
